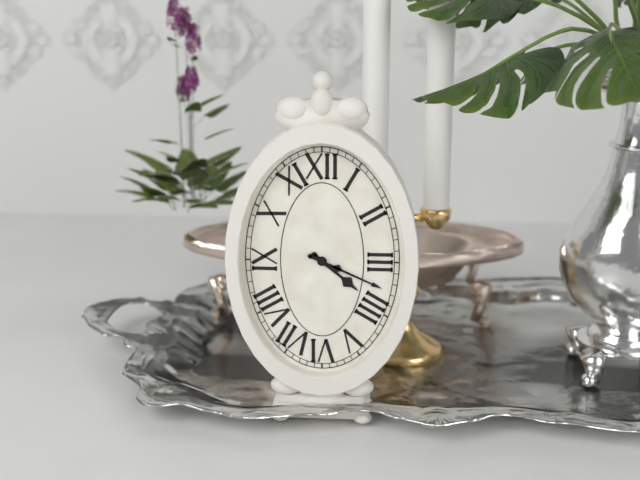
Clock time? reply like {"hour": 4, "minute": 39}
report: {"hour": 4, "minute": 19}
